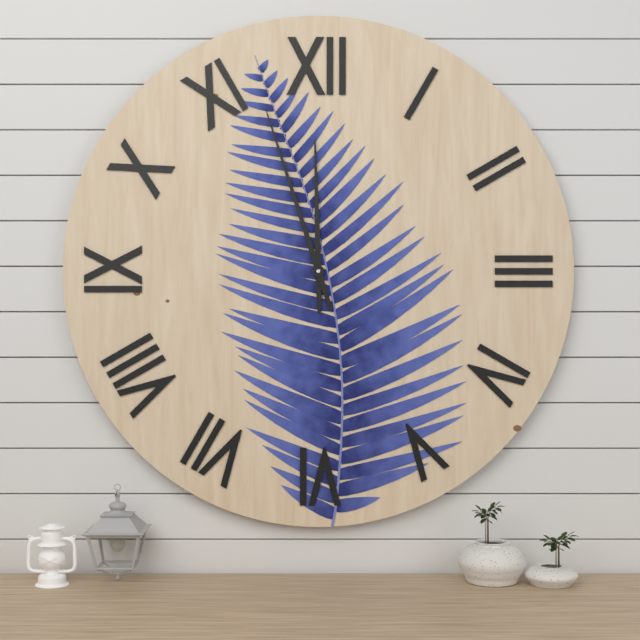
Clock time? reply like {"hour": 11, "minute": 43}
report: {"hour": 11, "minute": 57}
